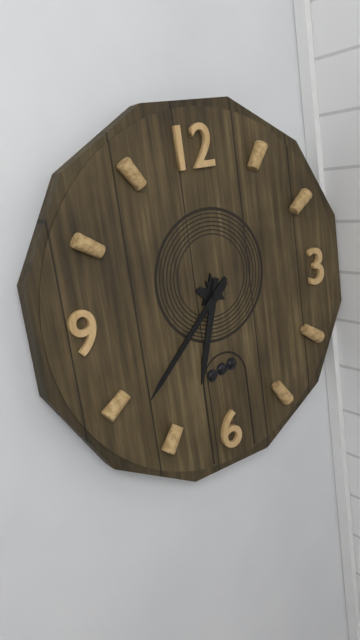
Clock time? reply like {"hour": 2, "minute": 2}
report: {"hour": 6, "minute": 38}
